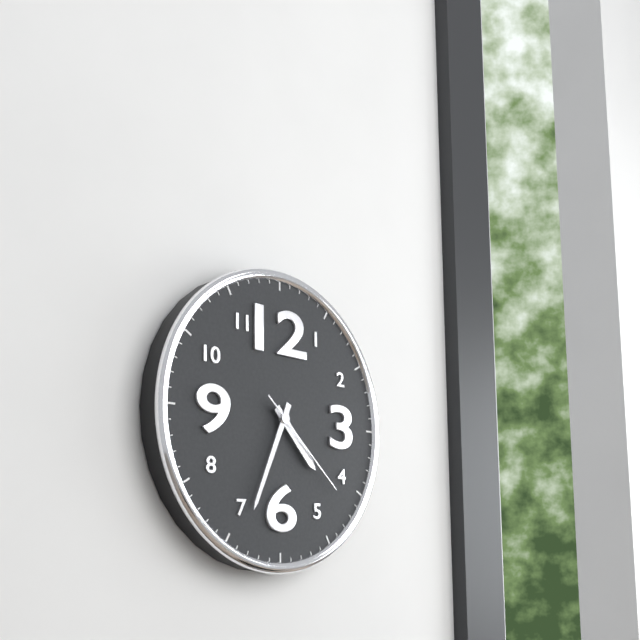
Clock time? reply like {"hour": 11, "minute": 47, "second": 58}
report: {"hour": 4, "minute": 34, "second": 22}
